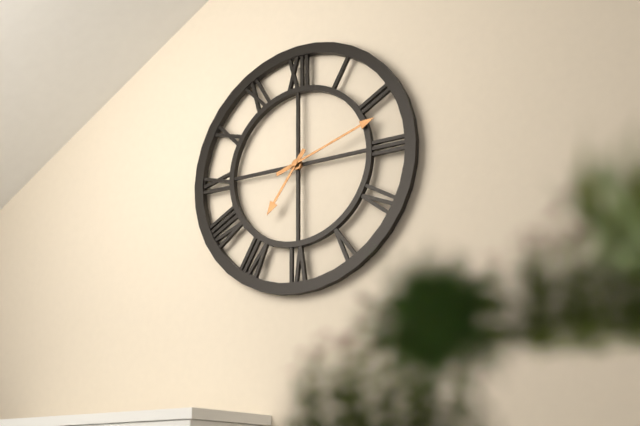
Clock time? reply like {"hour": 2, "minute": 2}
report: {"hour": 7, "minute": 12}
